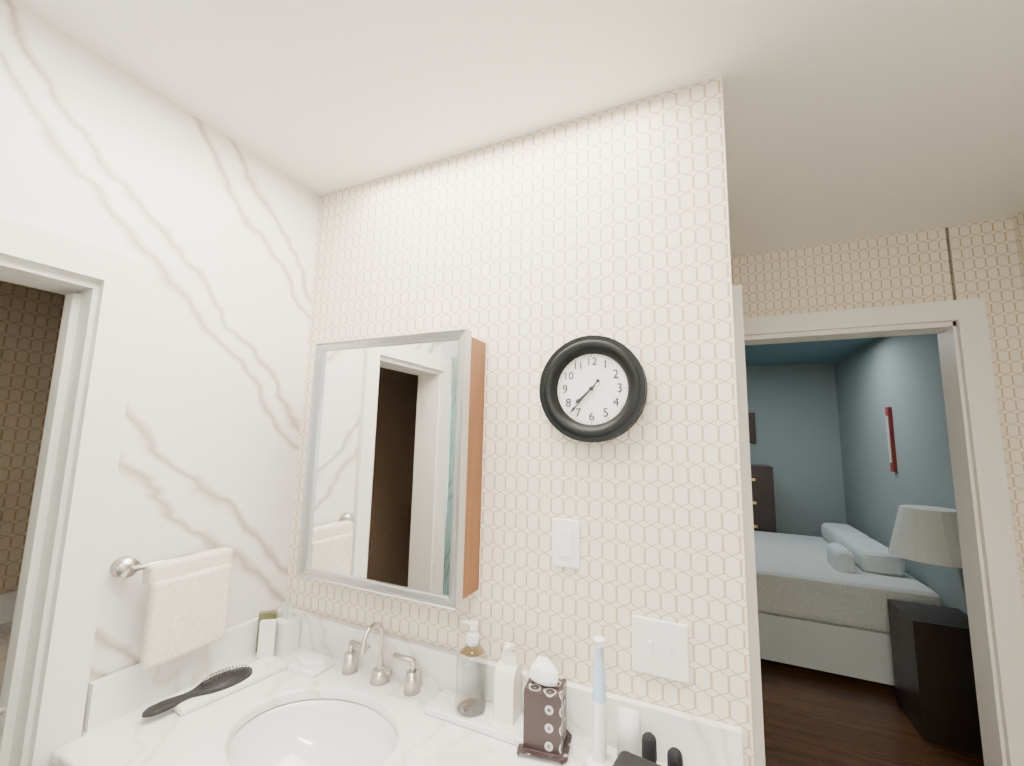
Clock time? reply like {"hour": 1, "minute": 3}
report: {"hour": 7, "minute": 37}
